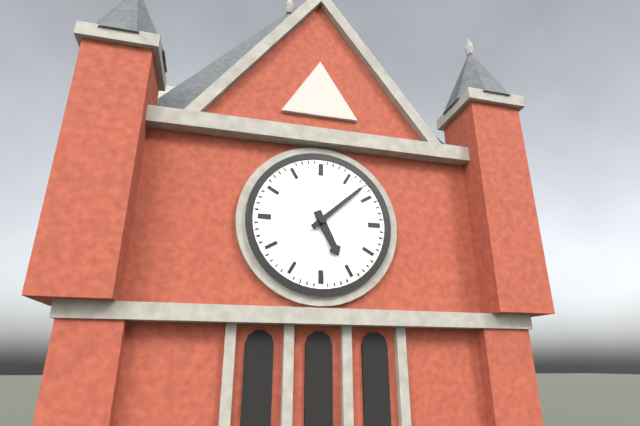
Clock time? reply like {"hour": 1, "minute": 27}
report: {"hour": 5, "minute": 8}
